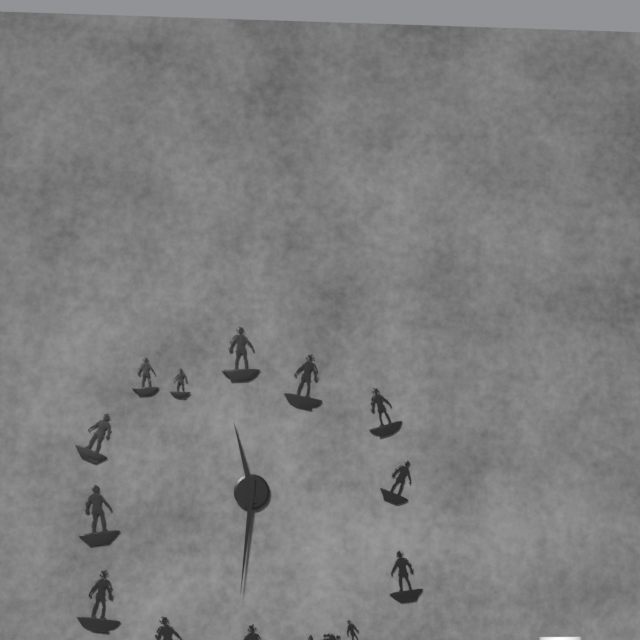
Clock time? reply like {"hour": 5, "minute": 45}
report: {"hour": 11, "minute": 31}
